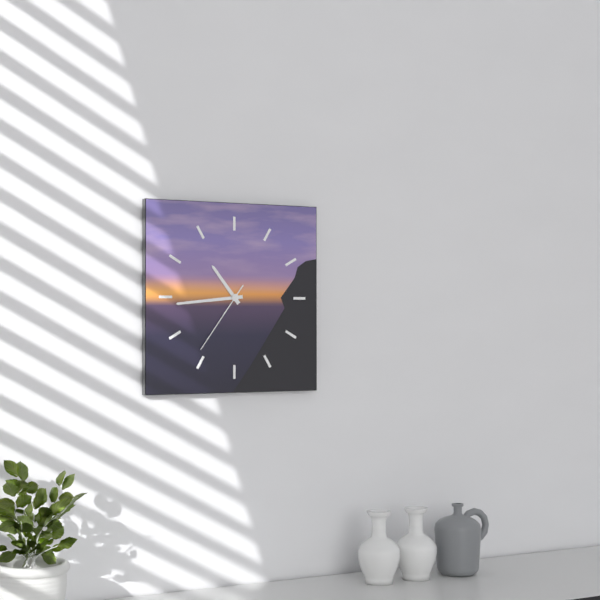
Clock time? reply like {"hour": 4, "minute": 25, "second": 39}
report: {"hour": 10, "minute": 44, "second": 36}
